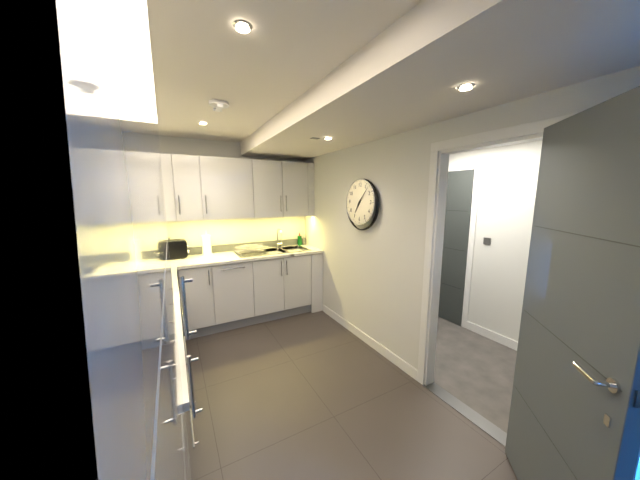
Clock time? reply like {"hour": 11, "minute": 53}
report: {"hour": 7, "minute": 7}
